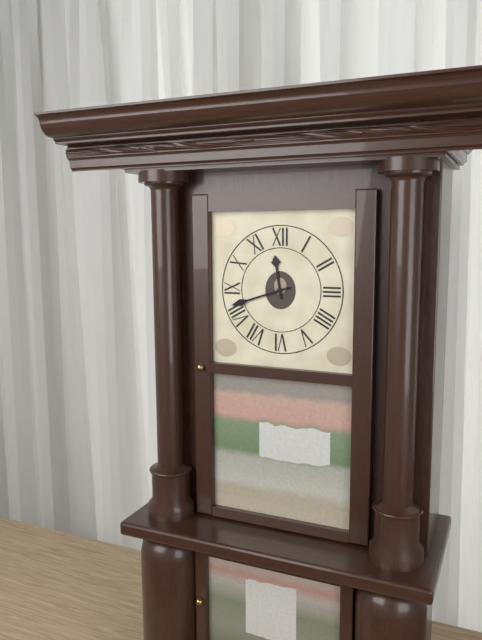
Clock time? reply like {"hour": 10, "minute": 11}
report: {"hour": 11, "minute": 42}
